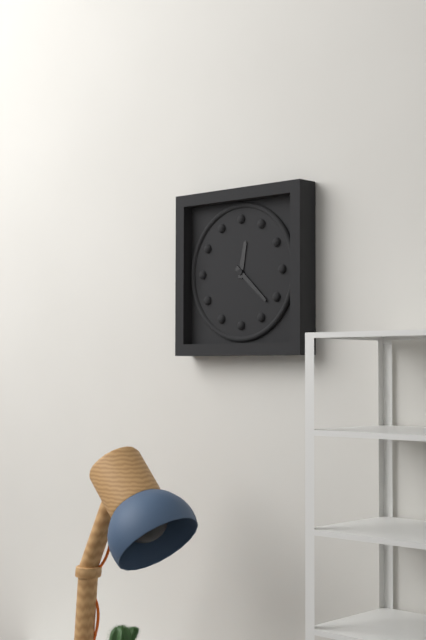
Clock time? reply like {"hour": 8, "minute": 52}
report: {"hour": 12, "minute": 22}
